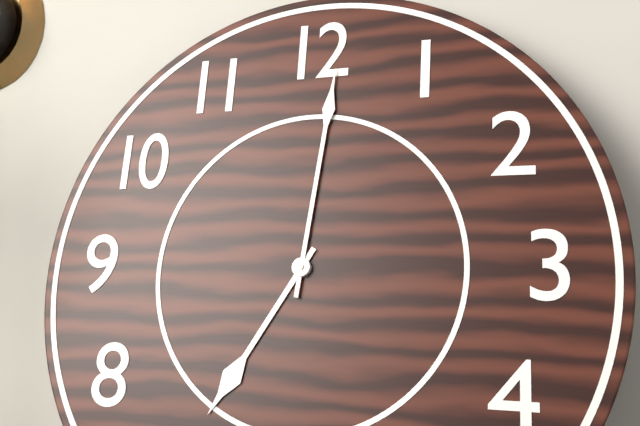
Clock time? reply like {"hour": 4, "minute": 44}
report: {"hour": 7, "minute": 1}
